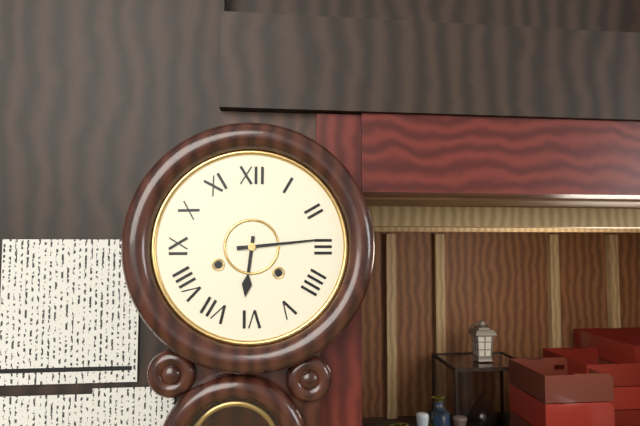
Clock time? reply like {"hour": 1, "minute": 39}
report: {"hour": 6, "minute": 14}
